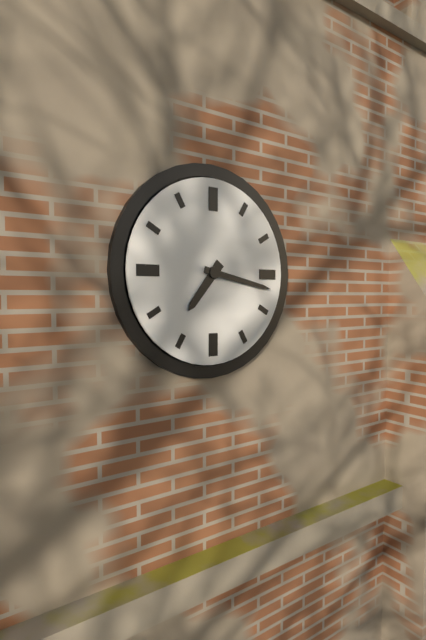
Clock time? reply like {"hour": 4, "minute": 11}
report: {"hour": 7, "minute": 17}
